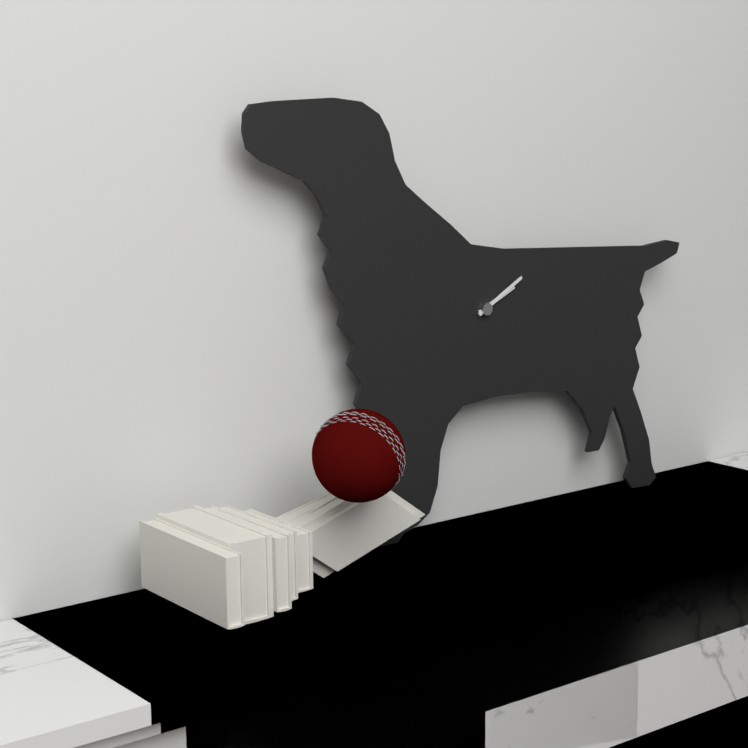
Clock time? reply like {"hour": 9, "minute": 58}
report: {"hour": 2, "minute": 10}
